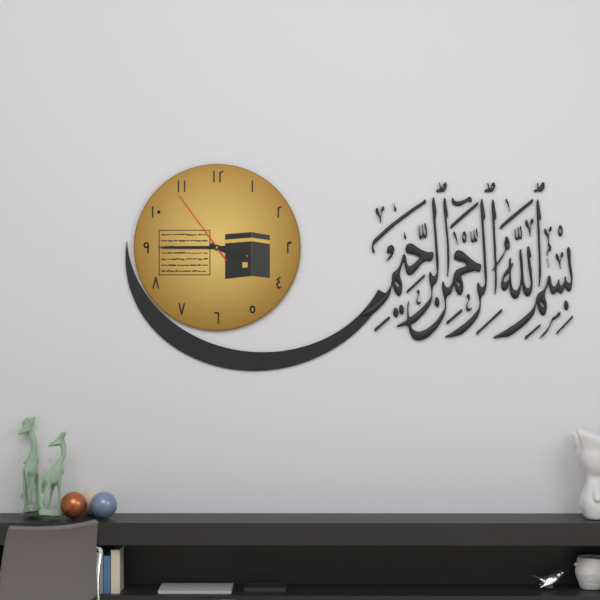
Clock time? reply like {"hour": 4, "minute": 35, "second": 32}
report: {"hour": 3, "minute": 45, "second": 54}
